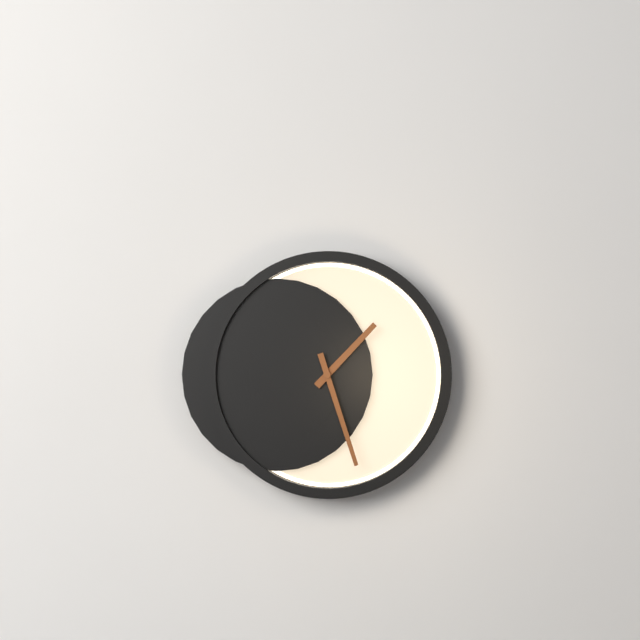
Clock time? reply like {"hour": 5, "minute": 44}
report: {"hour": 1, "minute": 27}
